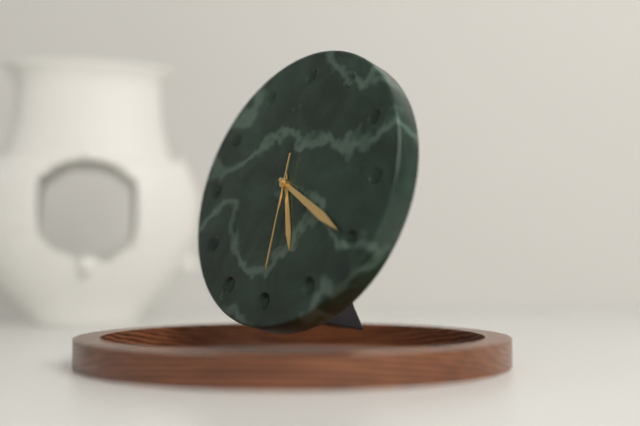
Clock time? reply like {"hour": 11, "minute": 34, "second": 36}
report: {"hour": 5, "minute": 20, "second": 30}
